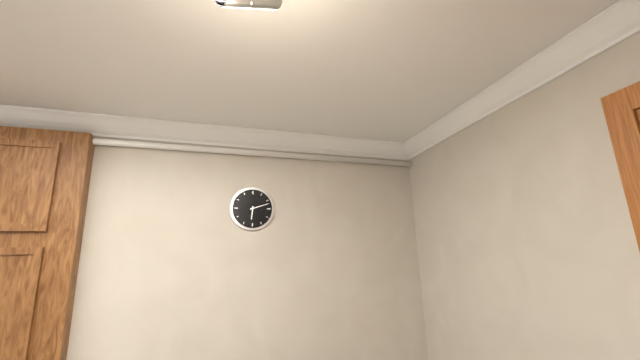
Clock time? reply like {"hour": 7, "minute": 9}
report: {"hour": 6, "minute": 12}
